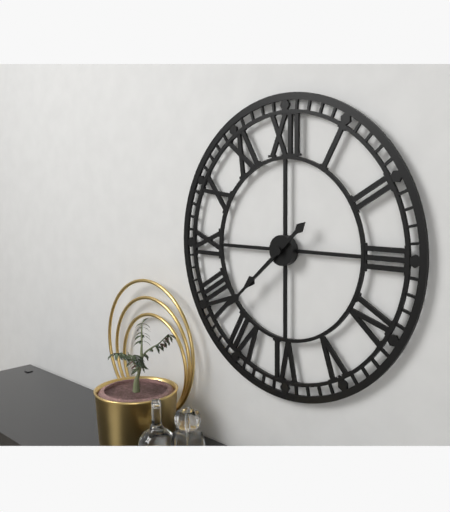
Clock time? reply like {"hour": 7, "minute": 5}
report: {"hour": 7, "minute": 38}
